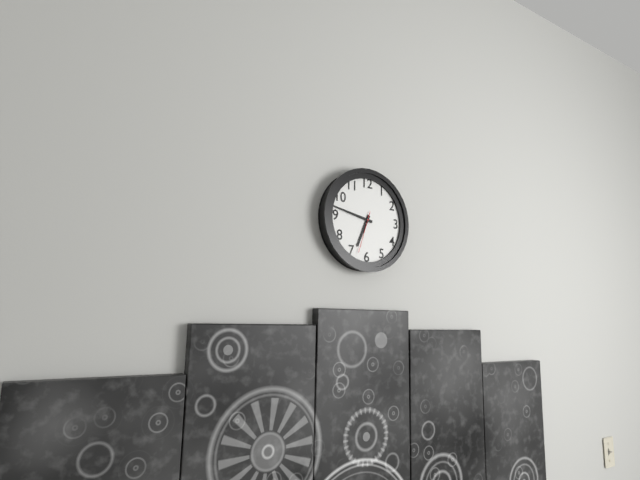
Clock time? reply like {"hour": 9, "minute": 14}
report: {"hour": 6, "minute": 47}
